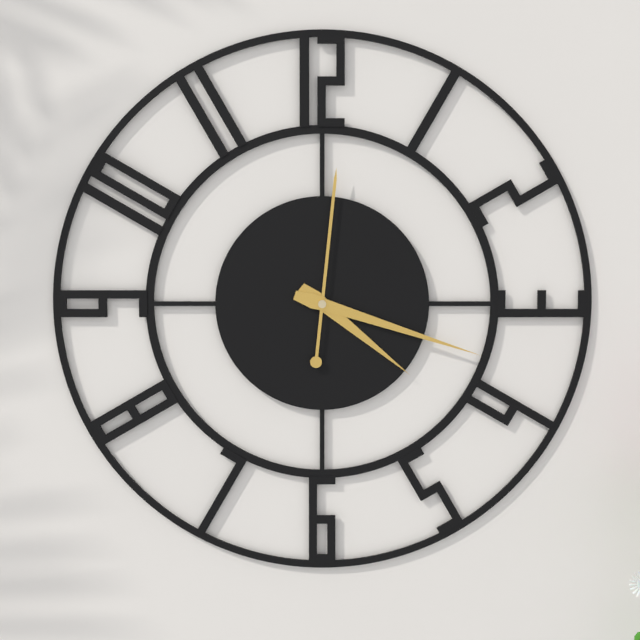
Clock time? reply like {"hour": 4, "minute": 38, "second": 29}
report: {"hour": 4, "minute": 18, "second": 1}
